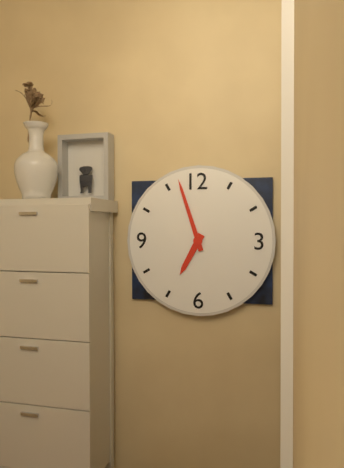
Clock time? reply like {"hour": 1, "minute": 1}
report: {"hour": 6, "minute": 57}
